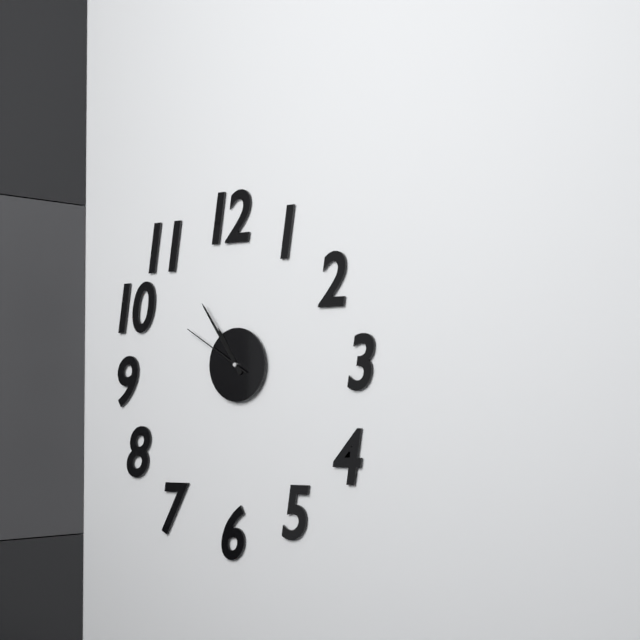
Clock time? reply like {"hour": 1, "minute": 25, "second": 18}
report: {"hour": 10, "minute": 54, "second": 50}
